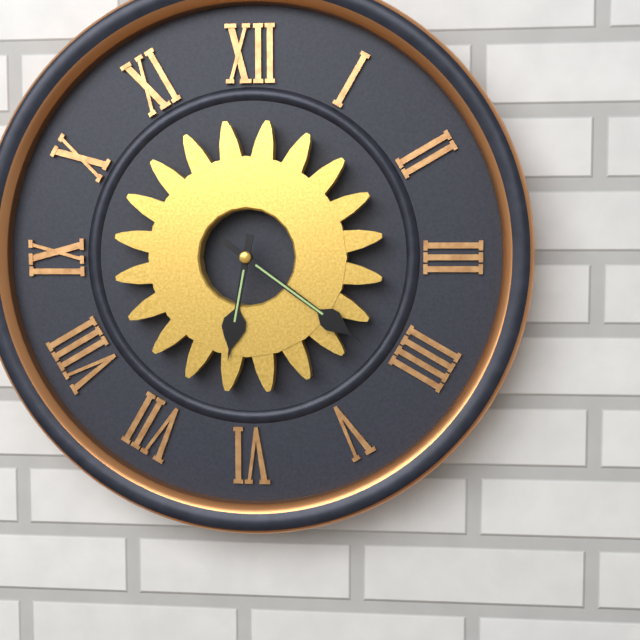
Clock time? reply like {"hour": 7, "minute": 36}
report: {"hour": 6, "minute": 21}
